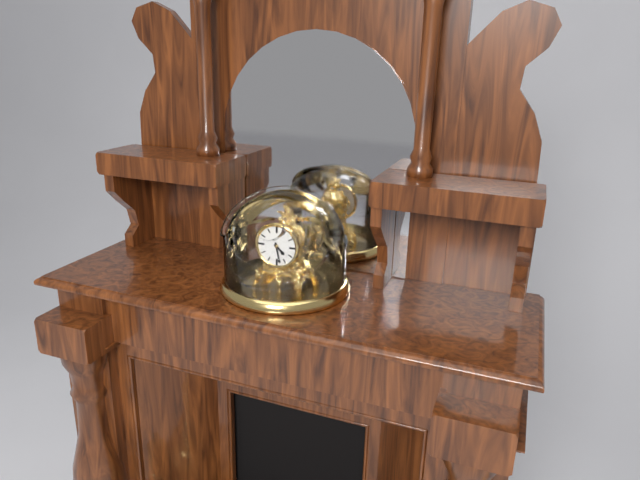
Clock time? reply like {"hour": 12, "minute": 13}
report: {"hour": 4, "minute": 28}
